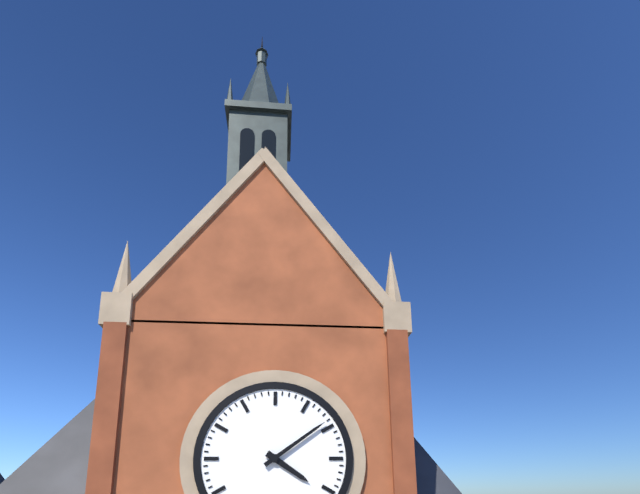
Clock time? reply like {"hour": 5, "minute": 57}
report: {"hour": 4, "minute": 9}
